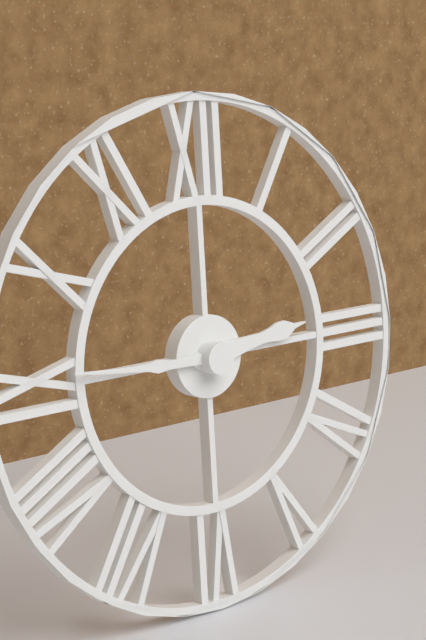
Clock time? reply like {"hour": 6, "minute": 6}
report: {"hour": 2, "minute": 45}
